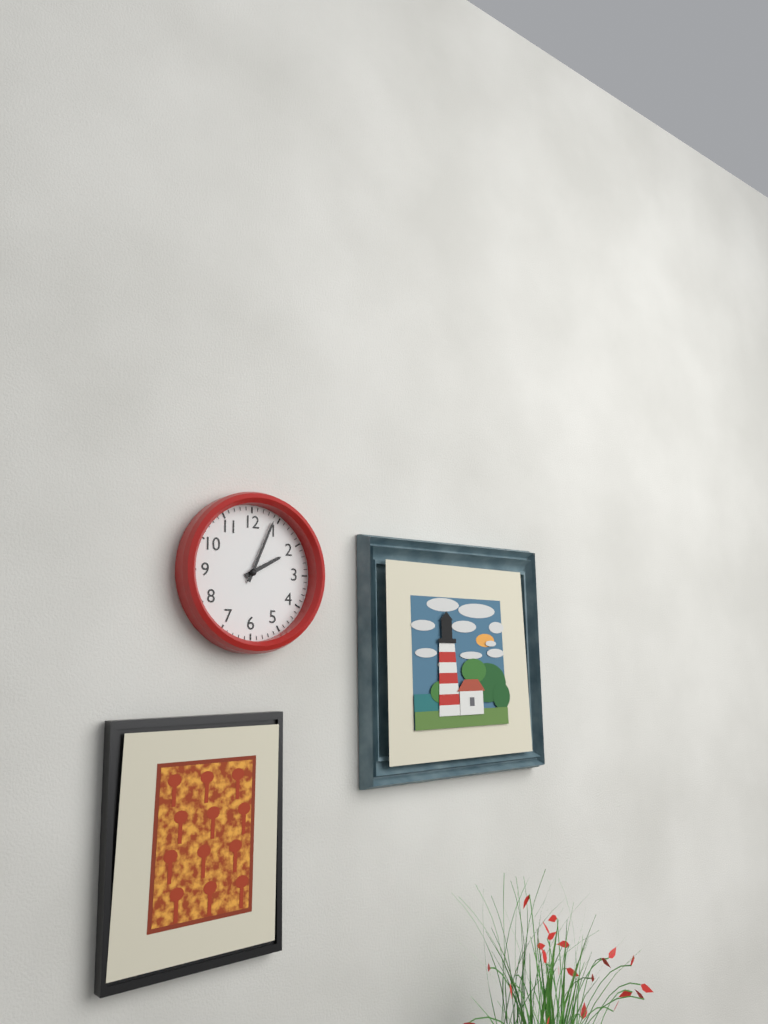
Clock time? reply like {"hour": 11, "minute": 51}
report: {"hour": 2, "minute": 4}
